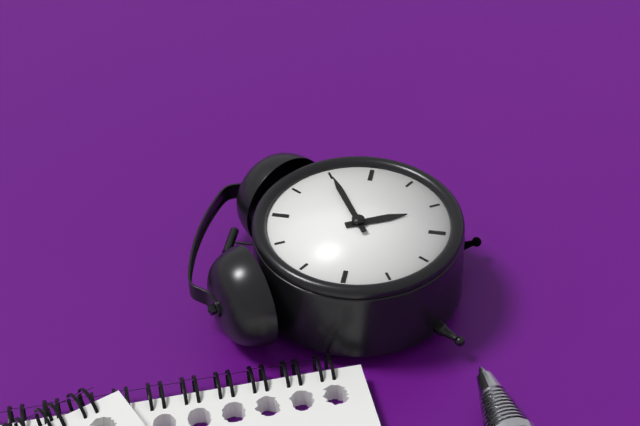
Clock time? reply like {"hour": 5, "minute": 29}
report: {"hour": 5, "minute": 10}
